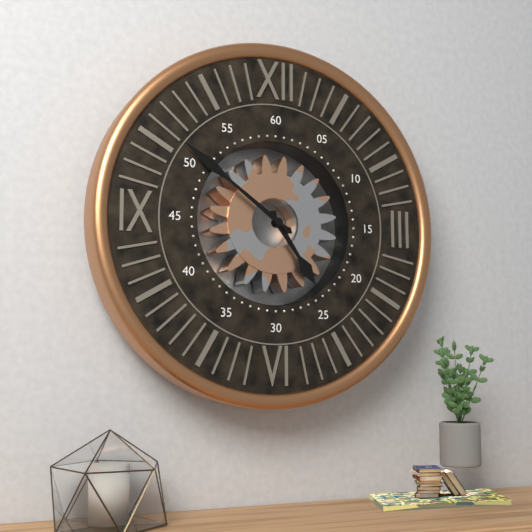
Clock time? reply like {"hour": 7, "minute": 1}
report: {"hour": 4, "minute": 51}
